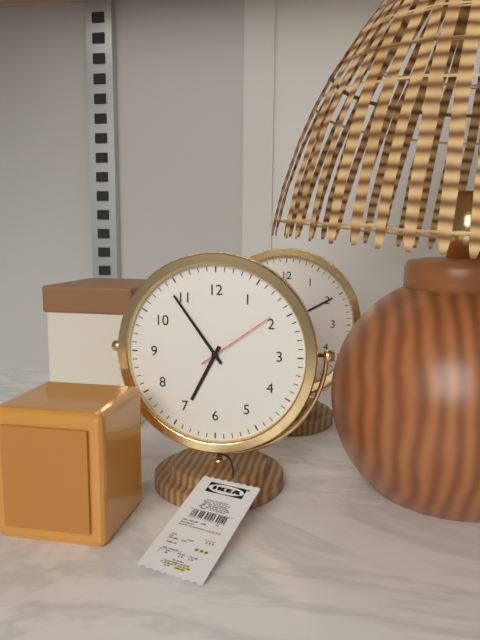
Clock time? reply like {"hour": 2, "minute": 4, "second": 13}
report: {"hour": 6, "minute": 54, "second": 9}
